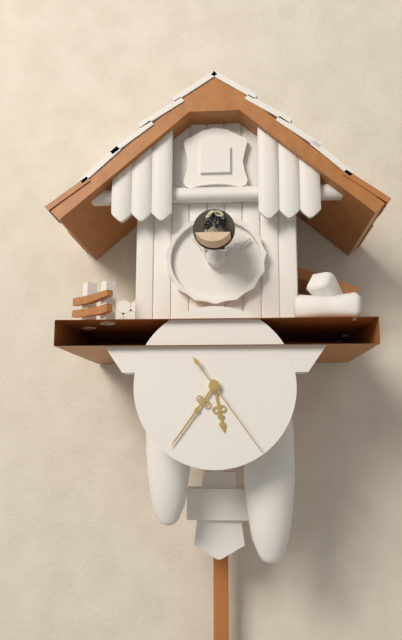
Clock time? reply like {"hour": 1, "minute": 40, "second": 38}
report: {"hour": 5, "minute": 36, "second": 24}
